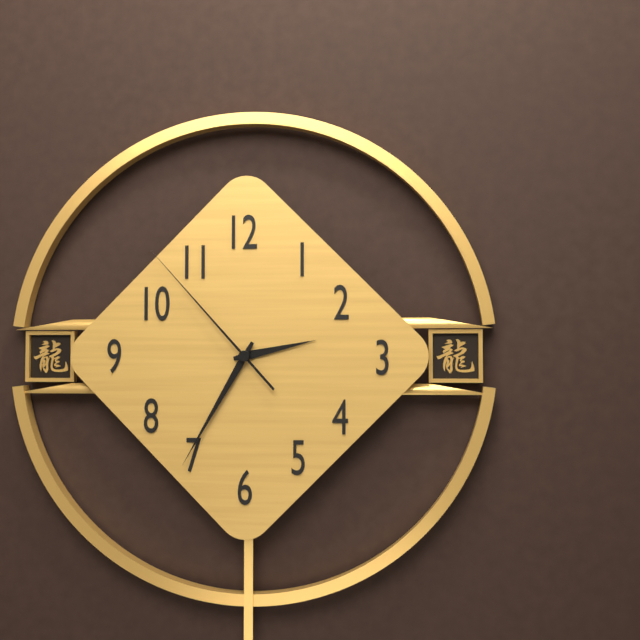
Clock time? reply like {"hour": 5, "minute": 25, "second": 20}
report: {"hour": 2, "minute": 35, "second": 53}
